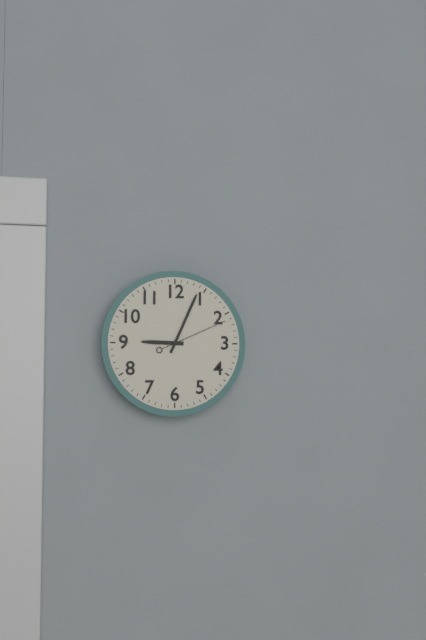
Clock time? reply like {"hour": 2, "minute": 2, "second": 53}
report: {"hour": 9, "minute": 4, "second": 11}
